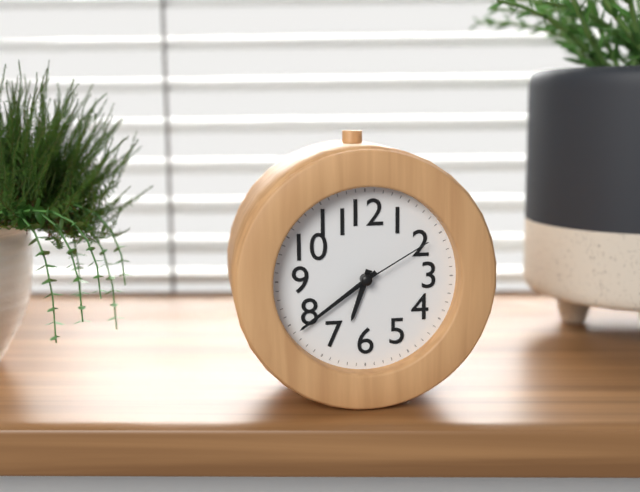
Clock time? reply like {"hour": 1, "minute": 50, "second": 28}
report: {"hour": 6, "minute": 39, "second": 10}
